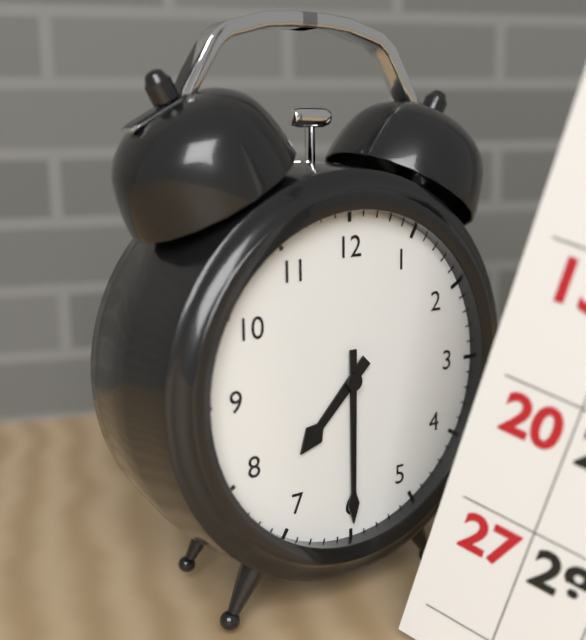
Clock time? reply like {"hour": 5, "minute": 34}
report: {"hour": 7, "minute": 30}
